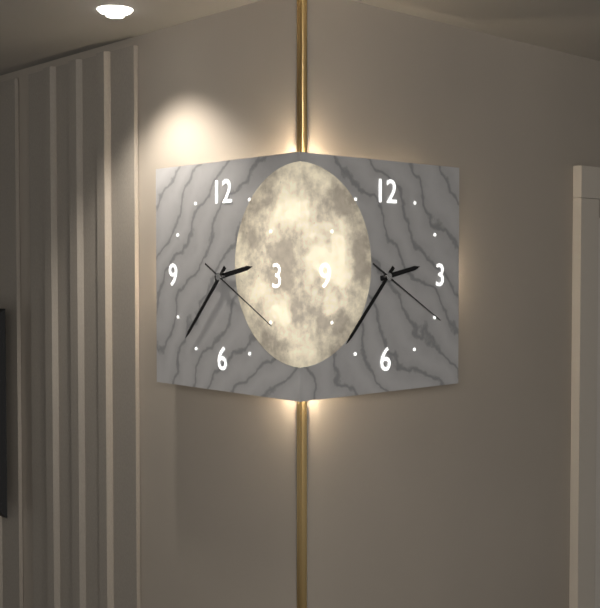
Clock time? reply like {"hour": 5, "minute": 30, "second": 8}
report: {"hour": 2, "minute": 37, "second": 20}
